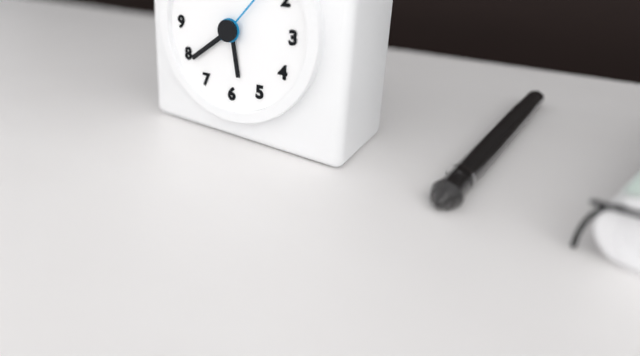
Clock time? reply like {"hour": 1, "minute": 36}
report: {"hour": 5, "minute": 39}
